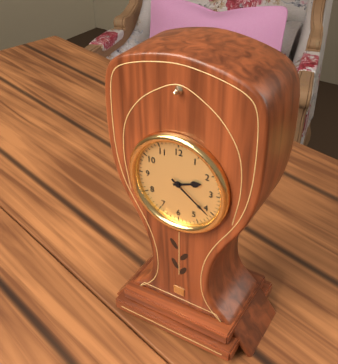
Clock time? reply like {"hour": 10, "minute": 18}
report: {"hour": 2, "minute": 21}
